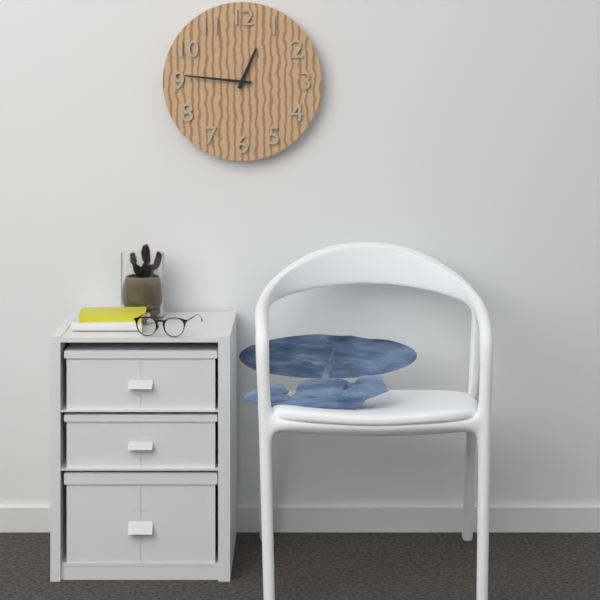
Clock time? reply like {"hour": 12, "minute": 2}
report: {"hour": 12, "minute": 46}
